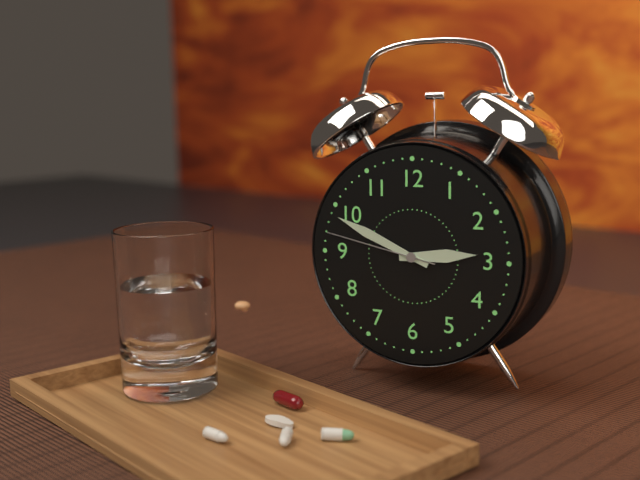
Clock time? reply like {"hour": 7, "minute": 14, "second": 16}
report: {"hour": 2, "minute": 49, "second": 47}
